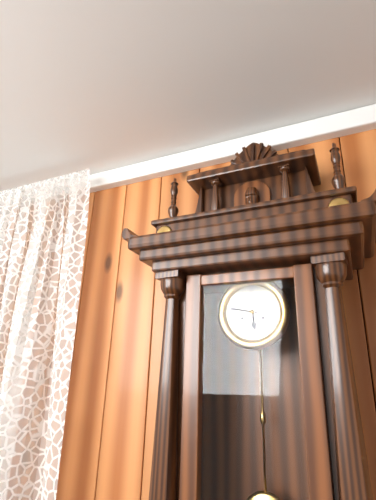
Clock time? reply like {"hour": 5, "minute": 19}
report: {"hour": 5, "minute": 47}
